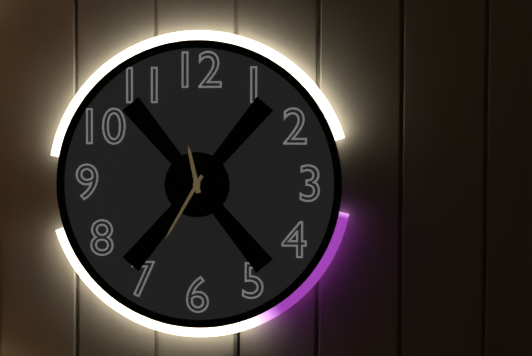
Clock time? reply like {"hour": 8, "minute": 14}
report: {"hour": 11, "minute": 35}
